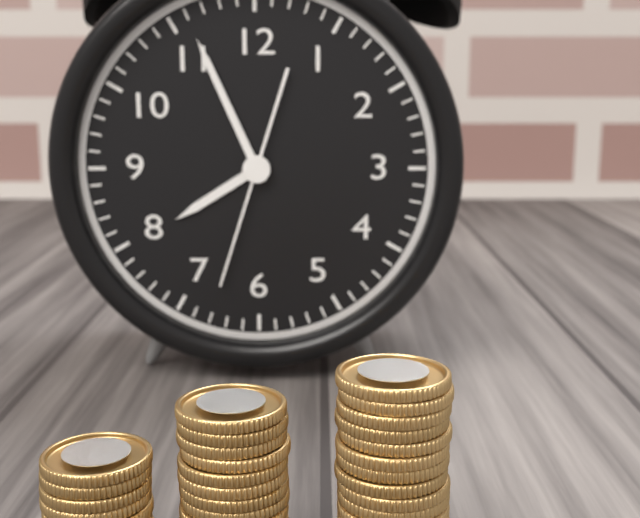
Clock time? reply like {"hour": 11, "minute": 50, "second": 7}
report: {"hour": 7, "minute": 56, "second": 33}
